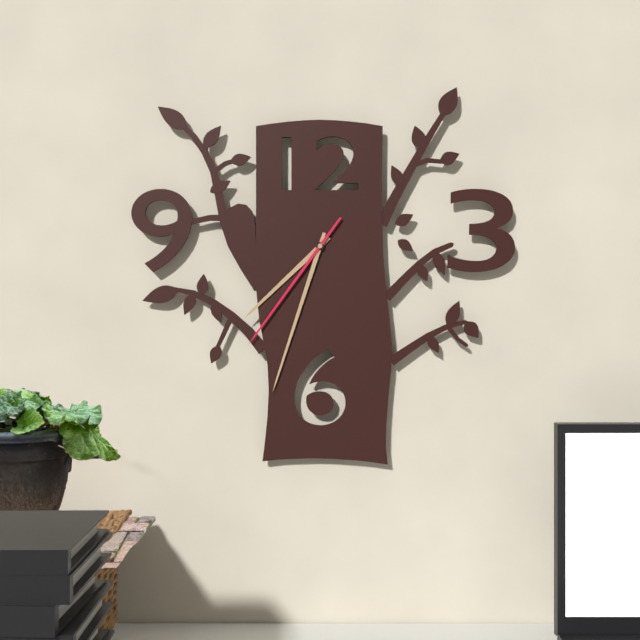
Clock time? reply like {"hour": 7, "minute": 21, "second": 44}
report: {"hour": 7, "minute": 33, "second": 36}
